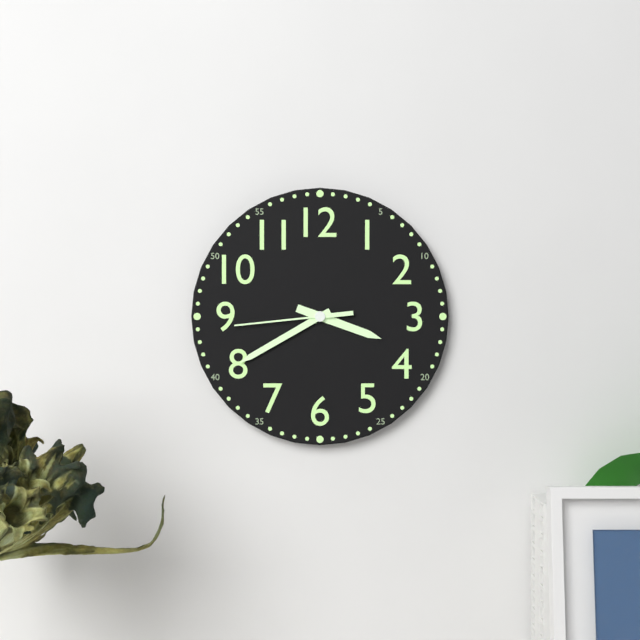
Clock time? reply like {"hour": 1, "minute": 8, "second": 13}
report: {"hour": 3, "minute": 40, "second": 44}
